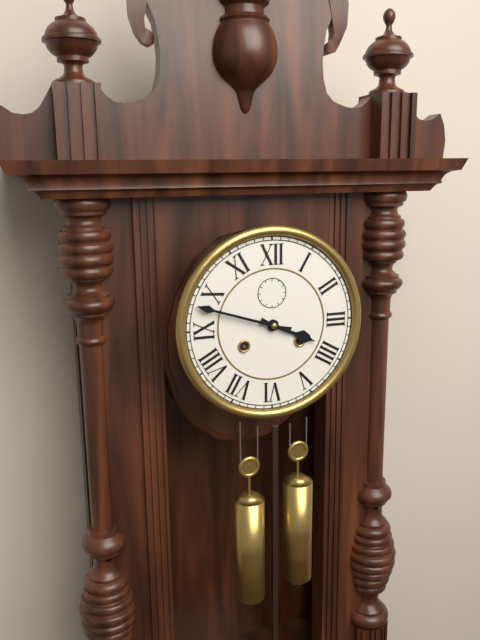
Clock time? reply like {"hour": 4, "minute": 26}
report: {"hour": 3, "minute": 48}
